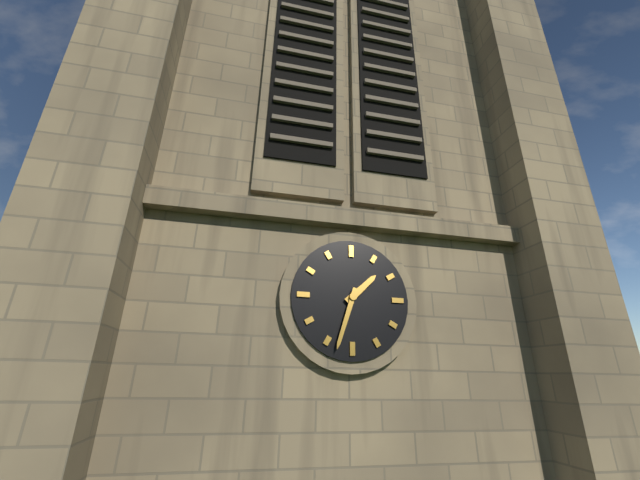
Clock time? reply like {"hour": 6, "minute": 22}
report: {"hour": 1, "minute": 33}
